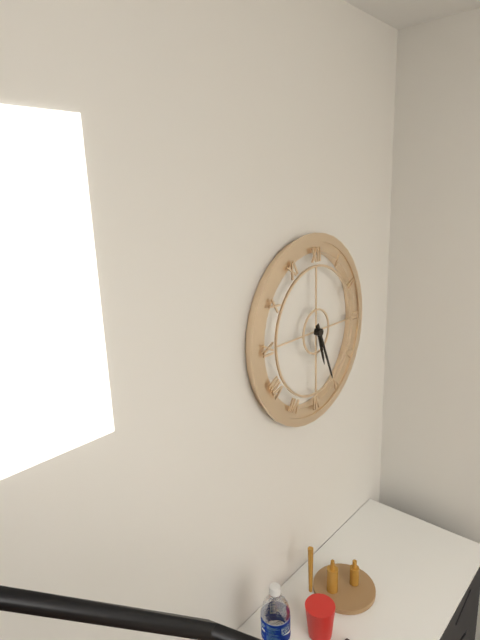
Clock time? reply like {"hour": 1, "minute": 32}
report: {"hour": 5, "minute": 26}
